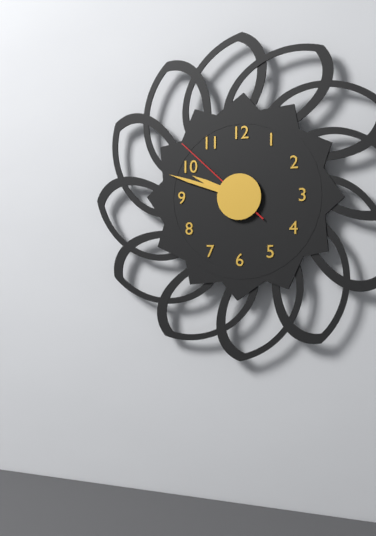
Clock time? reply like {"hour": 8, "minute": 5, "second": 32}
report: {"hour": 9, "minute": 48, "second": 52}
